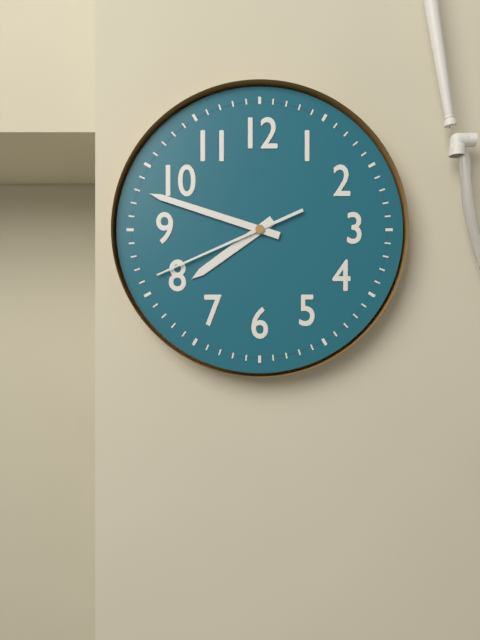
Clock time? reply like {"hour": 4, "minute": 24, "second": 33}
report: {"hour": 7, "minute": 48, "second": 41}
